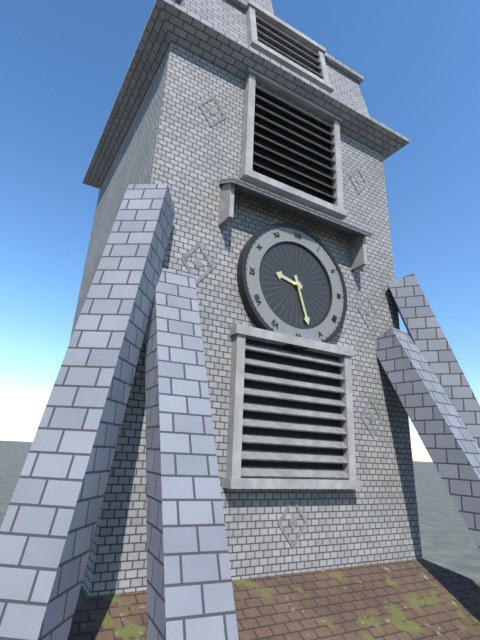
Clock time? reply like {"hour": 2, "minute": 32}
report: {"hour": 9, "minute": 27}
